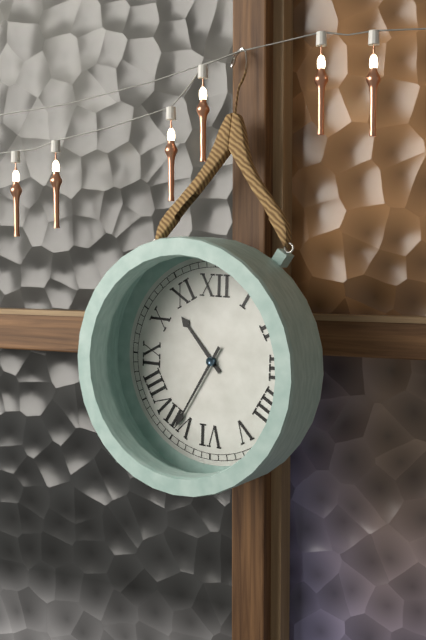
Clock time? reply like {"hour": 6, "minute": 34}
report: {"hour": 10, "minute": 35}
